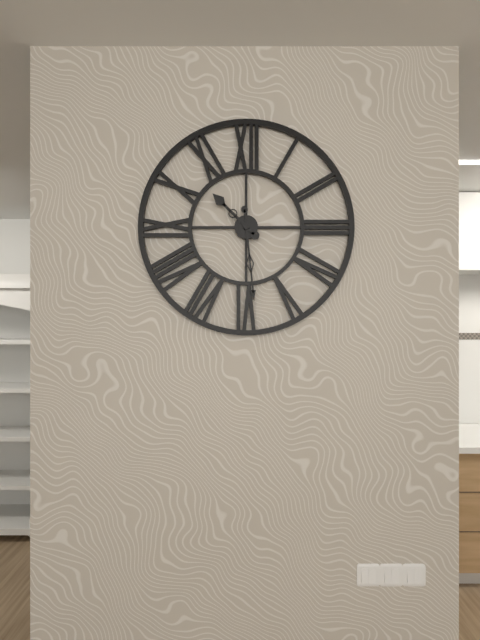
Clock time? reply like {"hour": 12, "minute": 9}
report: {"hour": 10, "minute": 29}
